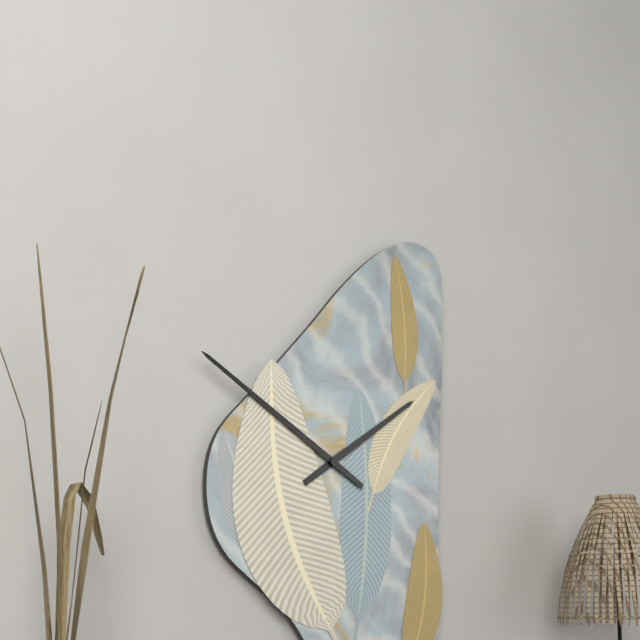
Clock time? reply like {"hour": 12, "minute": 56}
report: {"hour": 1, "minute": 50}
